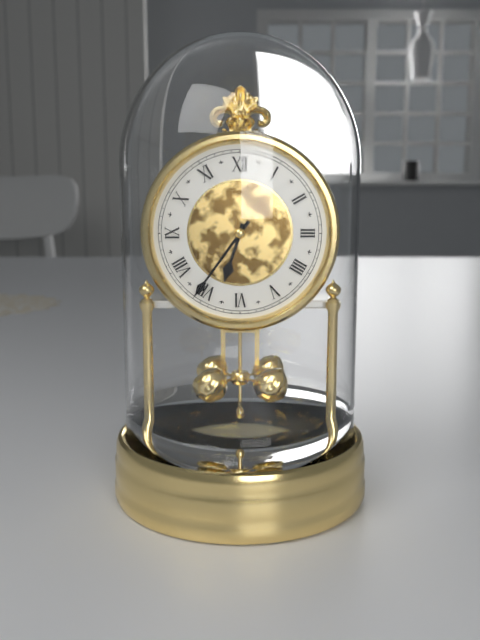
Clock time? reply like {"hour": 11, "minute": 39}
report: {"hour": 6, "minute": 36}
